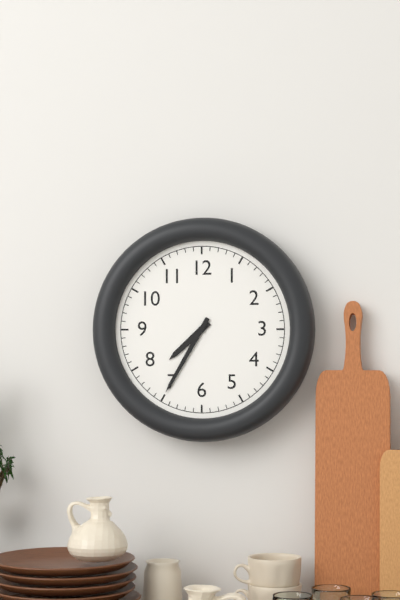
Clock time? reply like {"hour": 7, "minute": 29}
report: {"hour": 7, "minute": 35}
